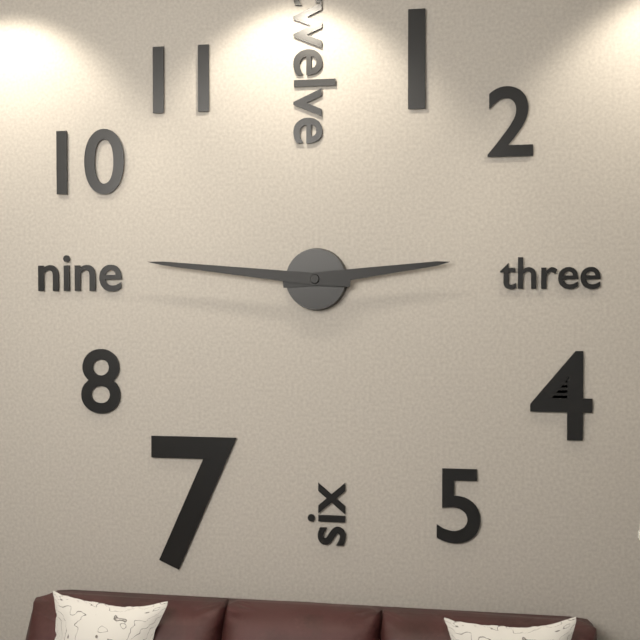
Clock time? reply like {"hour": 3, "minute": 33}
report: {"hour": 2, "minute": 46}
